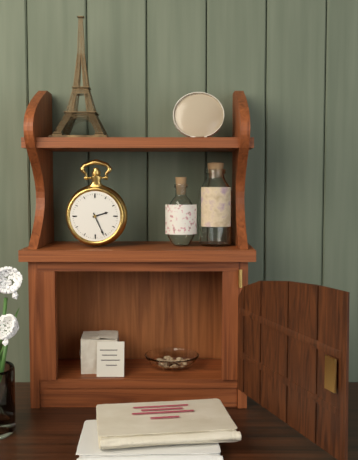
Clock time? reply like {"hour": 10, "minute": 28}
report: {"hour": 2, "minute": 26}
